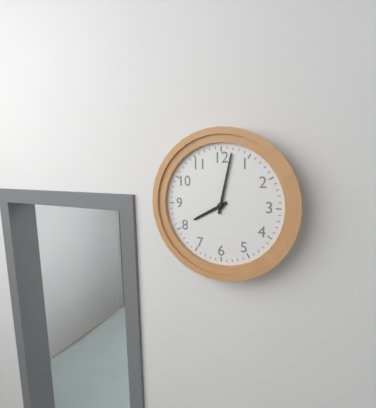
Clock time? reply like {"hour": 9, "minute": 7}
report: {"hour": 8, "minute": 2}
